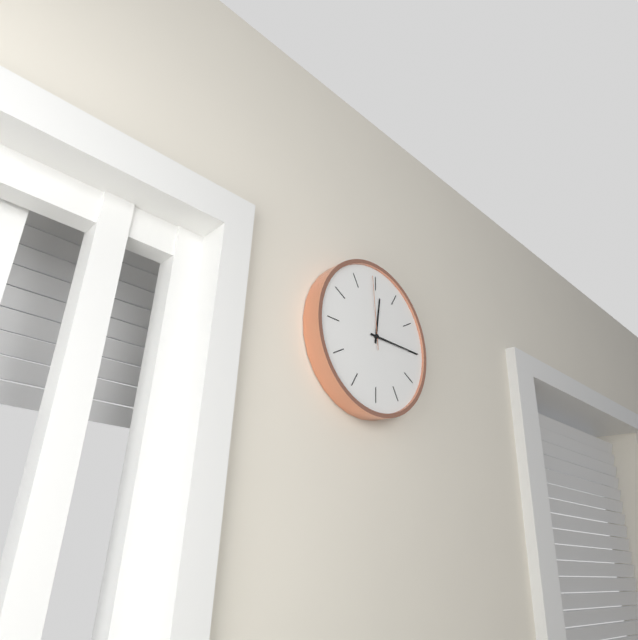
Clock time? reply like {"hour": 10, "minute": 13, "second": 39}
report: {"hour": 12, "minute": 15, "second": 59}
